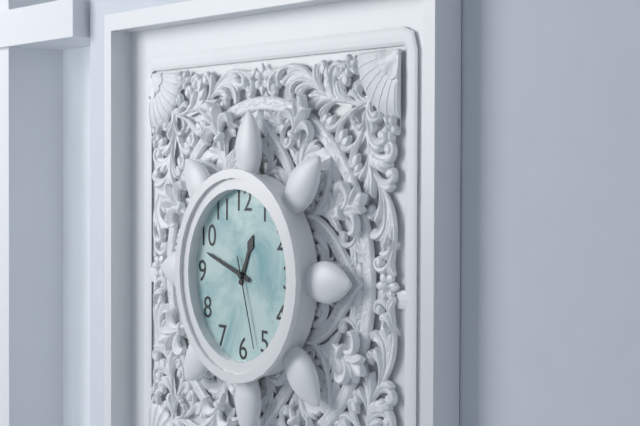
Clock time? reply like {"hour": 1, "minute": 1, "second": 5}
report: {"hour": 12, "minute": 48, "second": 27}
